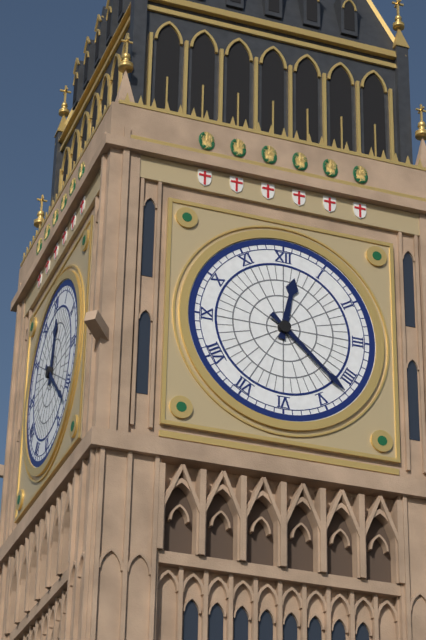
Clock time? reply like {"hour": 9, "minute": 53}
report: {"hour": 12, "minute": 22}
